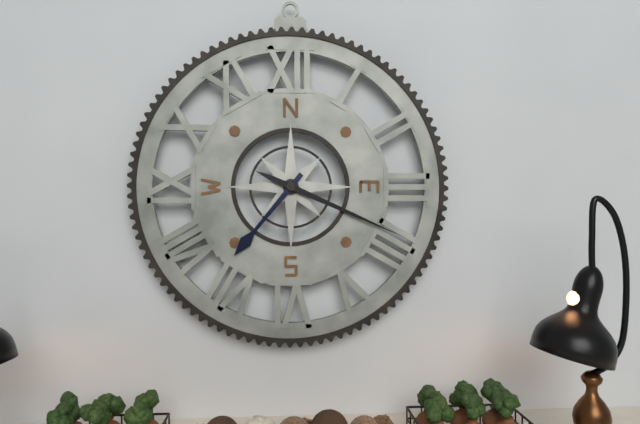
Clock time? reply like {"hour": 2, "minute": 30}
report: {"hour": 7, "minute": 19}
